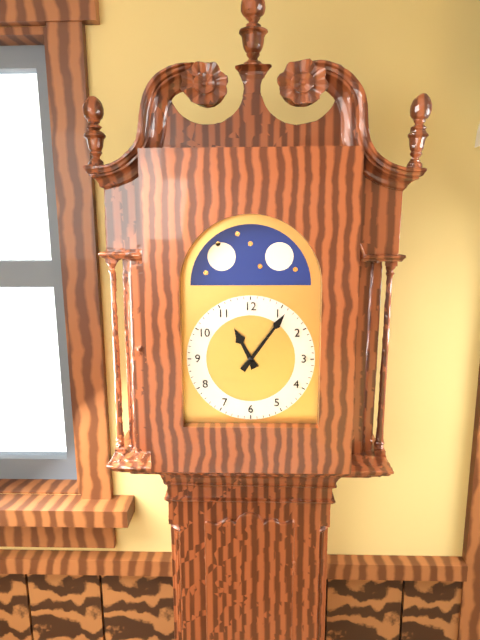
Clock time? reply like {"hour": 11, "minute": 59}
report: {"hour": 11, "minute": 6}
